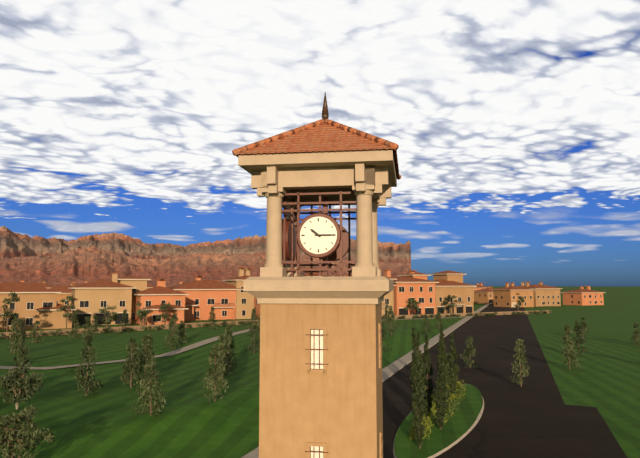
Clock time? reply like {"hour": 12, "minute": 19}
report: {"hour": 10, "minute": 15}
